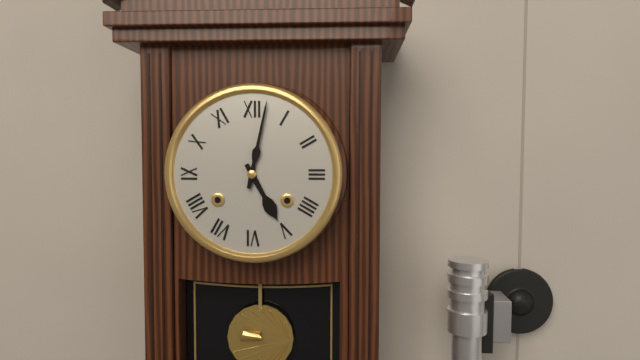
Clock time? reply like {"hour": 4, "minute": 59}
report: {"hour": 5, "minute": 2}
